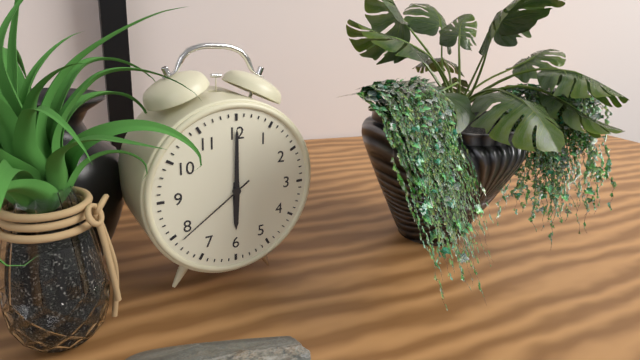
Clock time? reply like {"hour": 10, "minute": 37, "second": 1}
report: {"hour": 6, "minute": 0, "second": 39}
